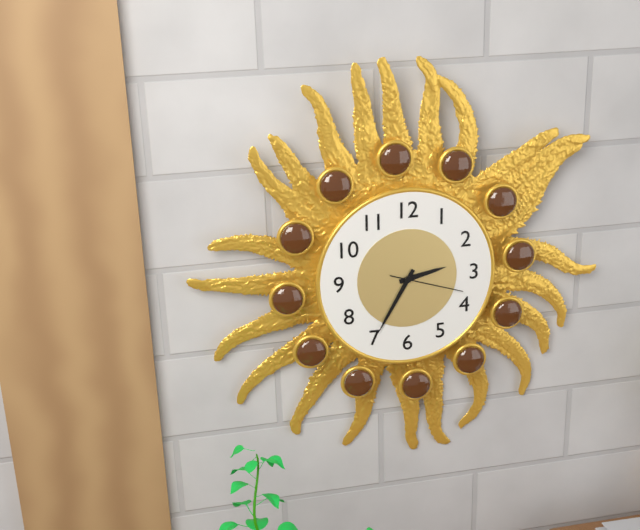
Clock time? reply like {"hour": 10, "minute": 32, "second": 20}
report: {"hour": 2, "minute": 35, "second": 18}
